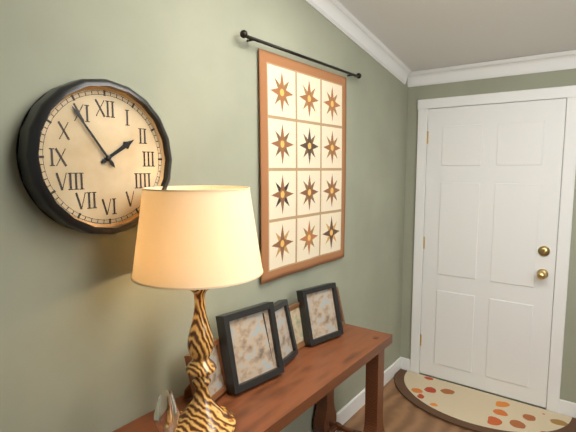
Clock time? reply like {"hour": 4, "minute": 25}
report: {"hour": 1, "minute": 54}
